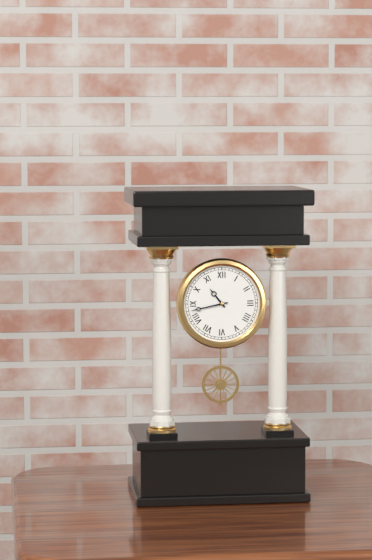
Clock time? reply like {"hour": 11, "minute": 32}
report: {"hour": 10, "minute": 43}
